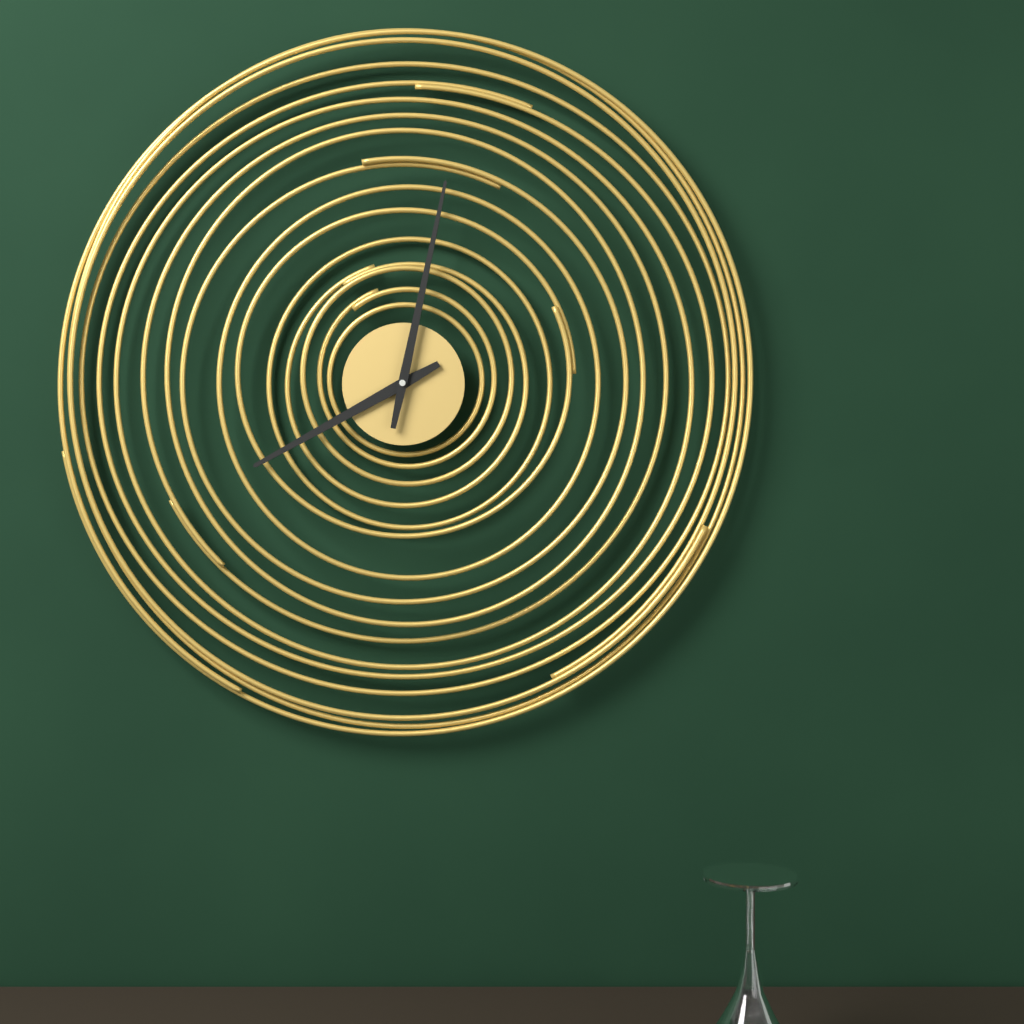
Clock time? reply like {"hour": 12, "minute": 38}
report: {"hour": 8, "minute": 2}
